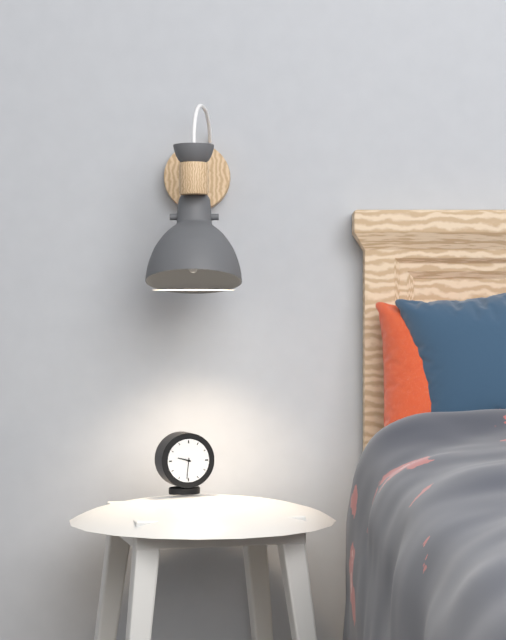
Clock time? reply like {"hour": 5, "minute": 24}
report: {"hour": 9, "minute": 31}
